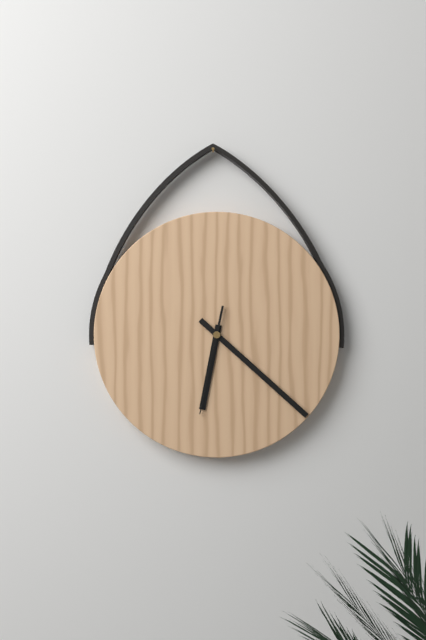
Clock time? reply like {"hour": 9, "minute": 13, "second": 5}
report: {"hour": 6, "minute": 22, "second": 32}
